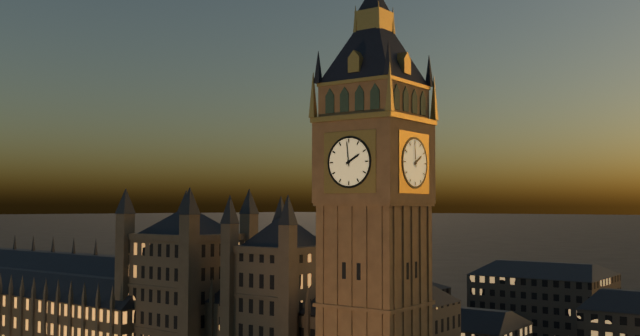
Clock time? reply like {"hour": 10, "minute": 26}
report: {"hour": 1, "minute": 59}
